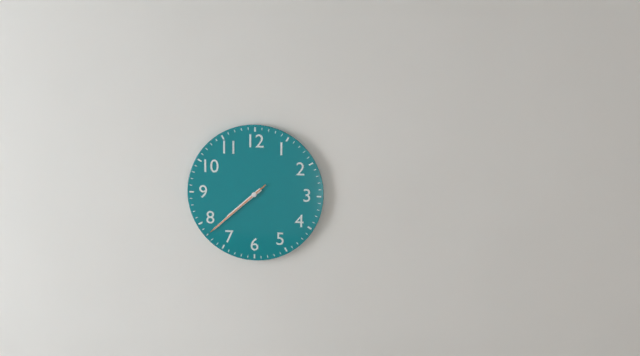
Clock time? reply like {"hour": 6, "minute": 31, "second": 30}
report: {"hour": 7, "minute": 38, "second": 38}
